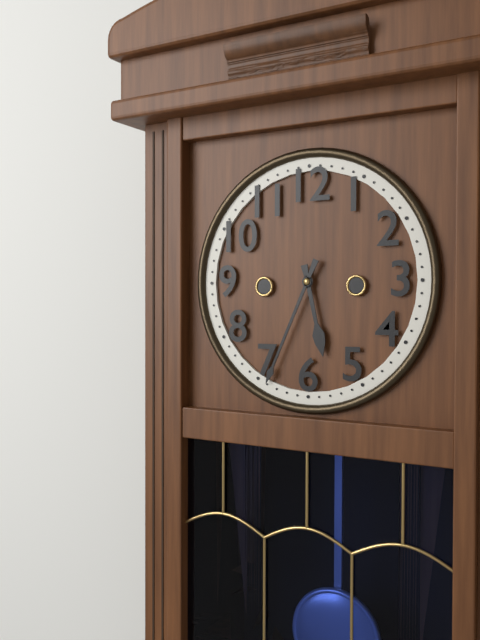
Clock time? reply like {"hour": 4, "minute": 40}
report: {"hour": 5, "minute": 34}
